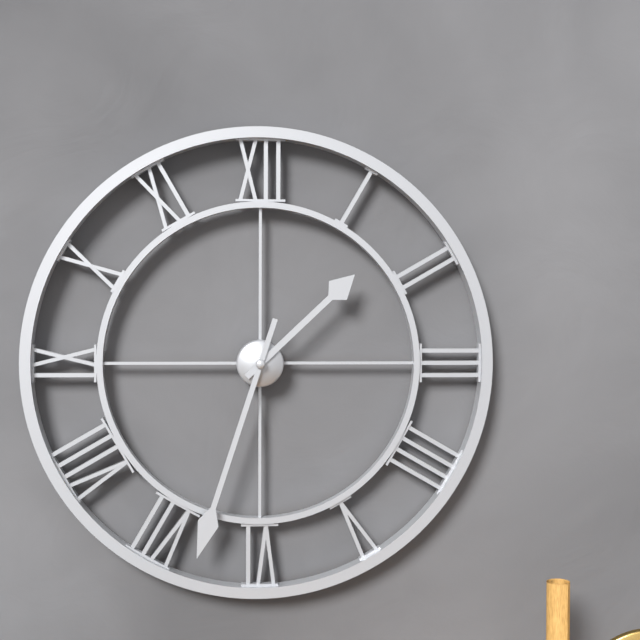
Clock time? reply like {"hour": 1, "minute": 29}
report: {"hour": 1, "minute": 33}
